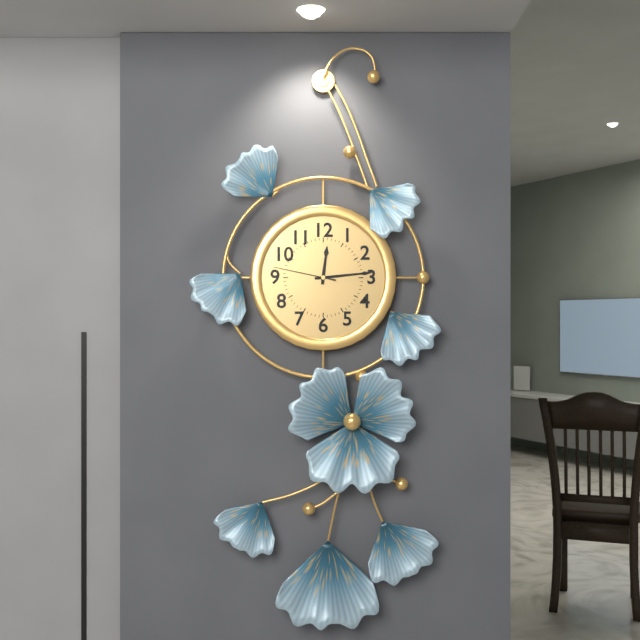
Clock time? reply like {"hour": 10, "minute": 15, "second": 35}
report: {"hour": 12, "minute": 14, "second": 47}
